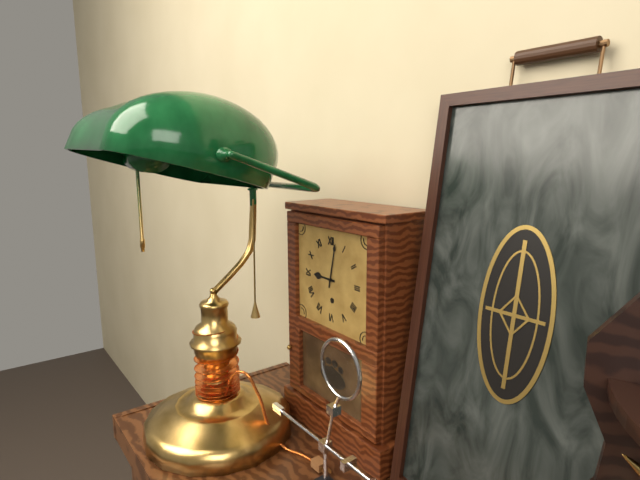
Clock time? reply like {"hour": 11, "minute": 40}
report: {"hour": 9, "minute": 2}
